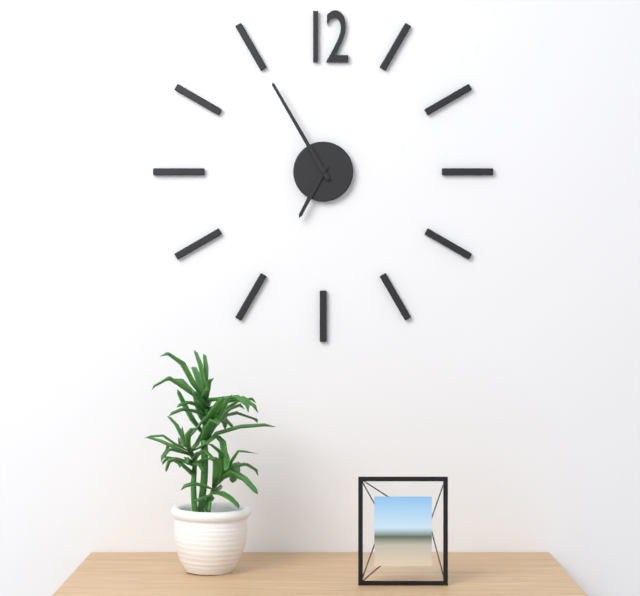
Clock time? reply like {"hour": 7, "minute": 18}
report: {"hour": 6, "minute": 55}
